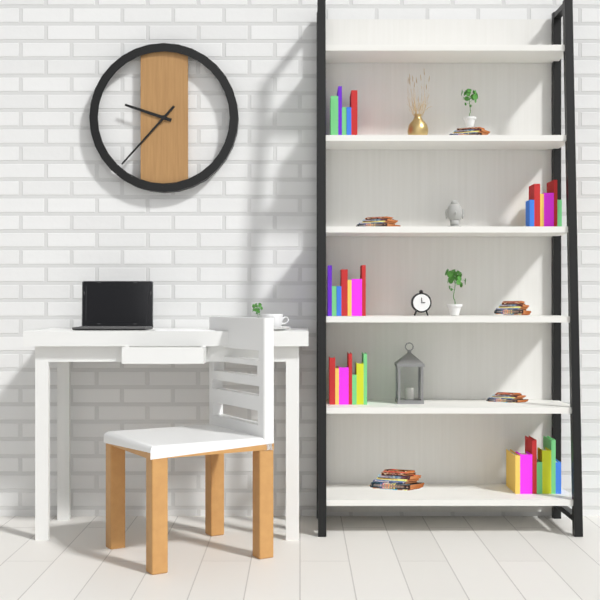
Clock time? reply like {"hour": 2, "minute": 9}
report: {"hour": 9, "minute": 37}
